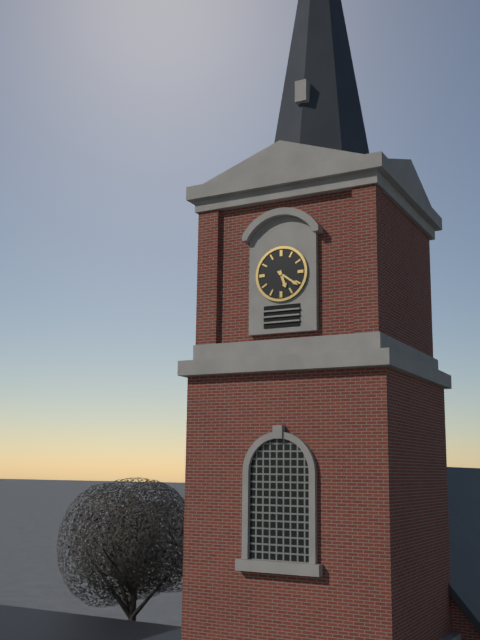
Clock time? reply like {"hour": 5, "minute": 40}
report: {"hour": 5, "minute": 21}
